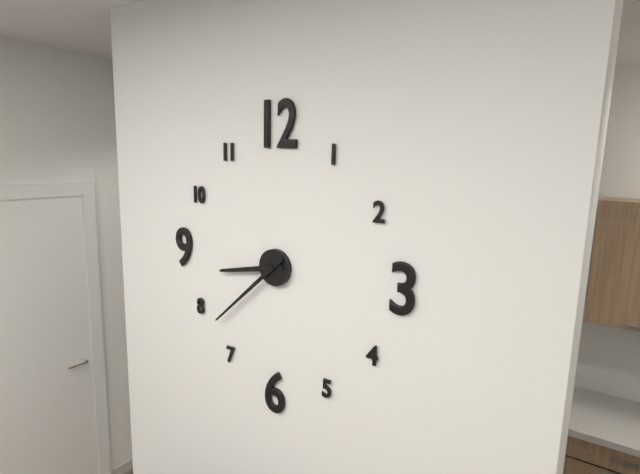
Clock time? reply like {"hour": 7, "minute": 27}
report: {"hour": 8, "minute": 38}
